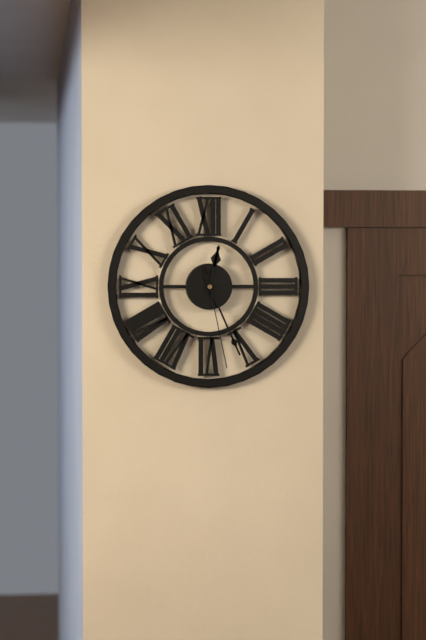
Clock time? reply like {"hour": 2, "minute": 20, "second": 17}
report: {"hour": 12, "minute": 26, "second": 28}
